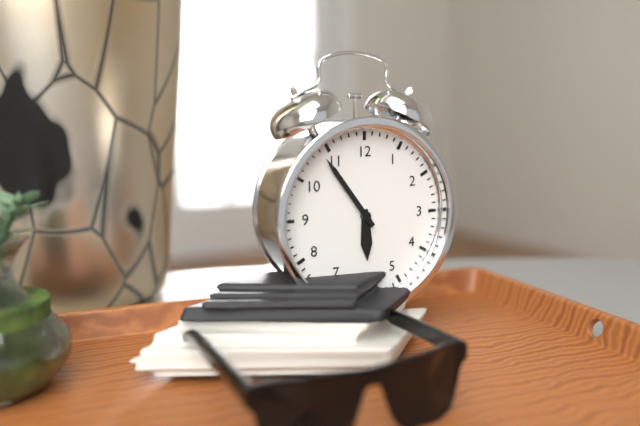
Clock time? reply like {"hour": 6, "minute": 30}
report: {"hour": 5, "minute": 54}
